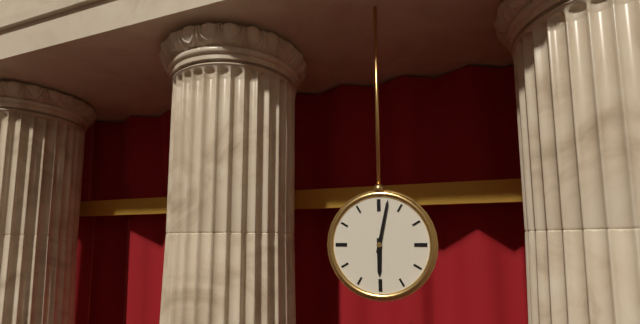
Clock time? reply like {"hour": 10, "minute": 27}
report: {"hour": 6, "minute": 2}
